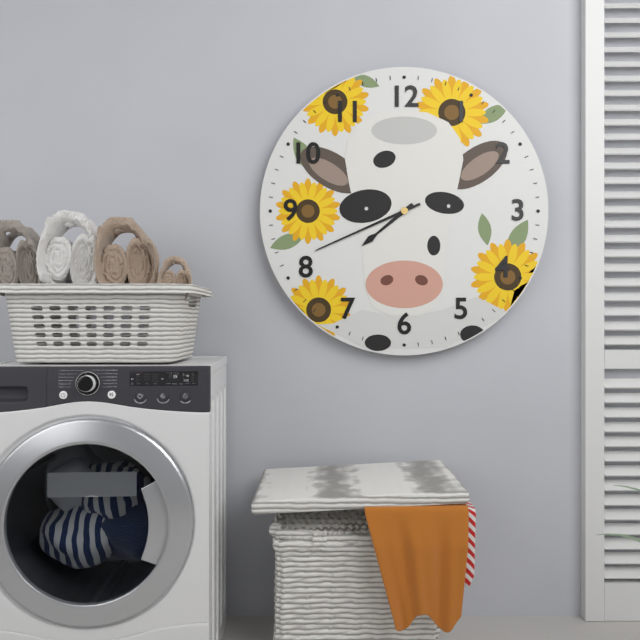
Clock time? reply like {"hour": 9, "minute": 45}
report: {"hour": 7, "minute": 41}
